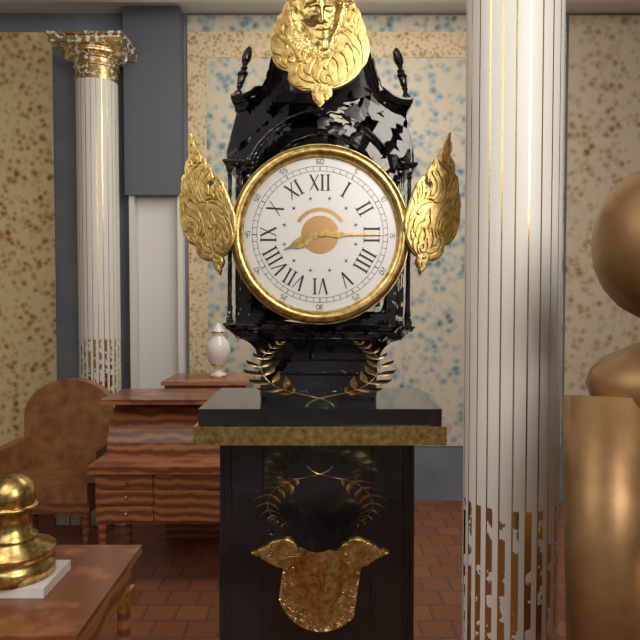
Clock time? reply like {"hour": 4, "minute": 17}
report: {"hour": 8, "minute": 15}
